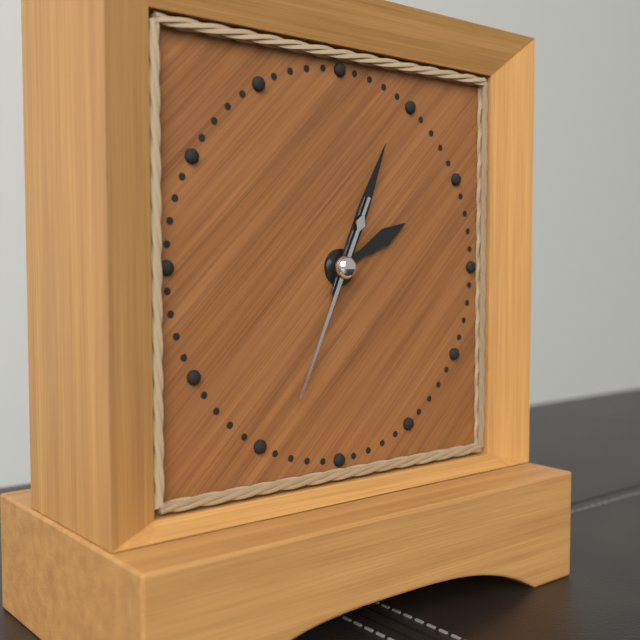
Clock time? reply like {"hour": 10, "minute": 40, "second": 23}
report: {"hour": 2, "minute": 4, "second": 34}
